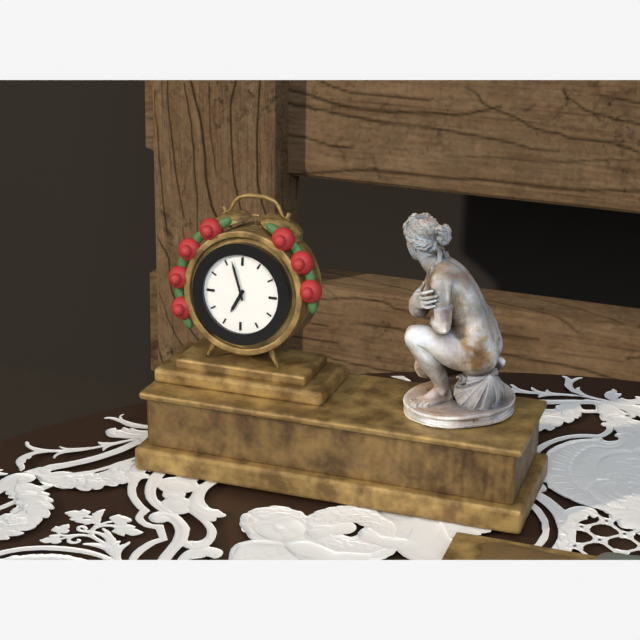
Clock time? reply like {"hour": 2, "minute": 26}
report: {"hour": 6, "minute": 57}
